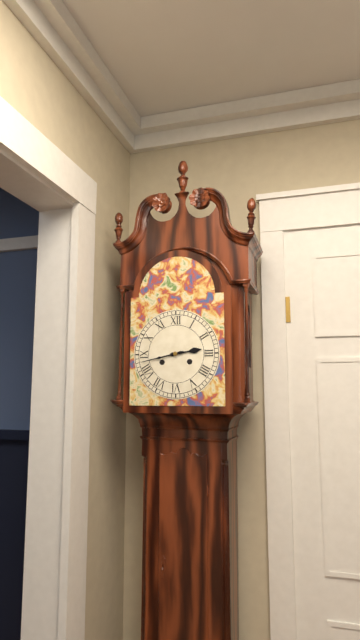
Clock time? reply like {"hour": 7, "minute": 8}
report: {"hour": 2, "minute": 43}
